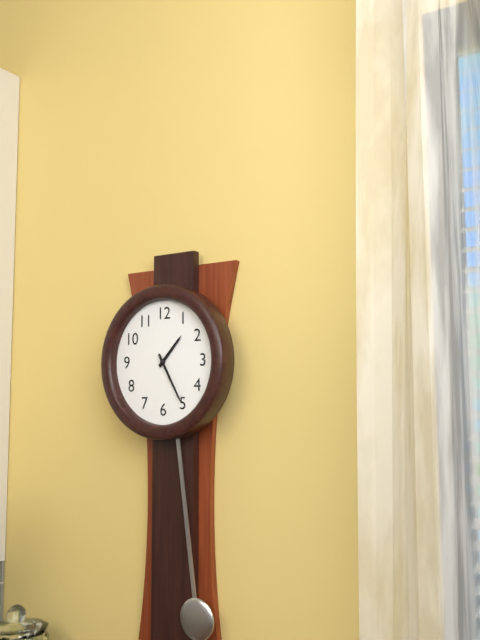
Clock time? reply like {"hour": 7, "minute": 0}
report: {"hour": 1, "minute": 25}
